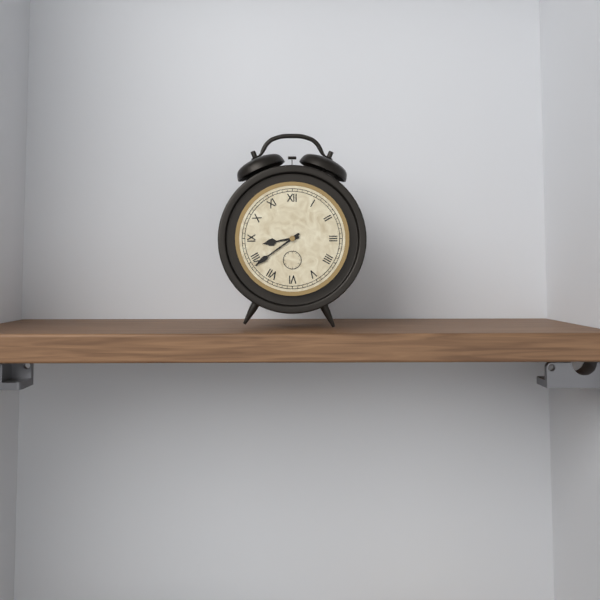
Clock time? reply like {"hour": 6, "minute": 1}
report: {"hour": 8, "minute": 39}
